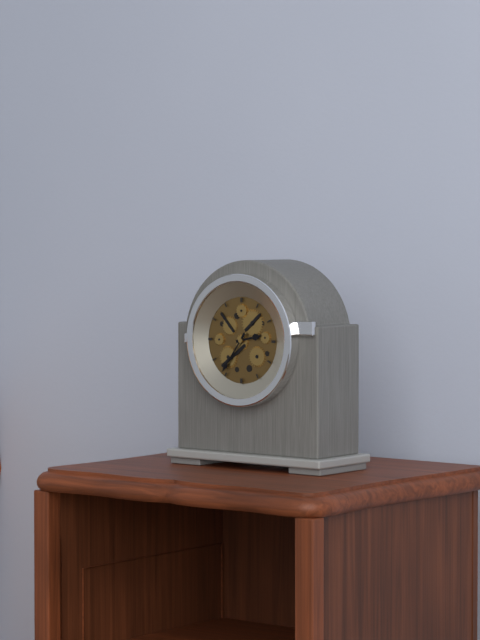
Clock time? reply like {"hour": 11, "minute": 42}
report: {"hour": 2, "minute": 36}
